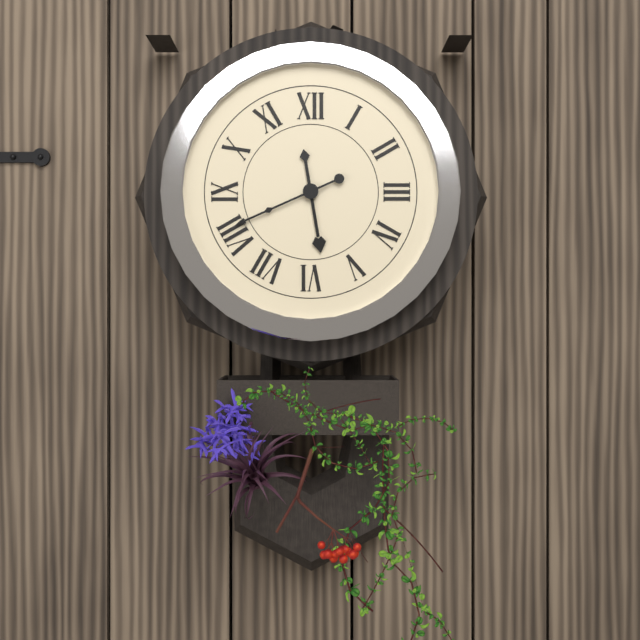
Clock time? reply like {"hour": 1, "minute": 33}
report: {"hour": 5, "minute": 41}
